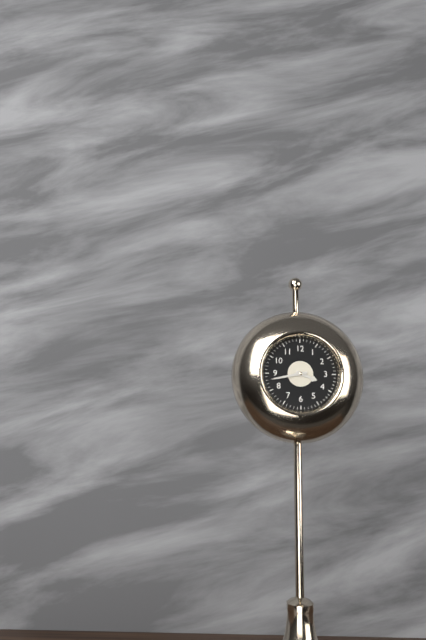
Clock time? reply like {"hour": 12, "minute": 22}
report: {"hour": 3, "minute": 43}
